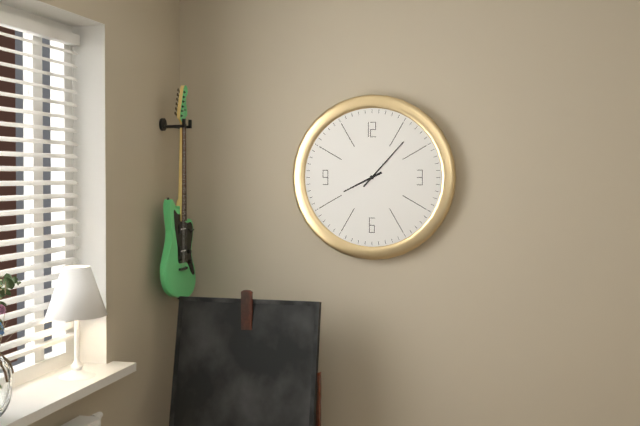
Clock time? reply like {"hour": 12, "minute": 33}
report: {"hour": 8, "minute": 7}
